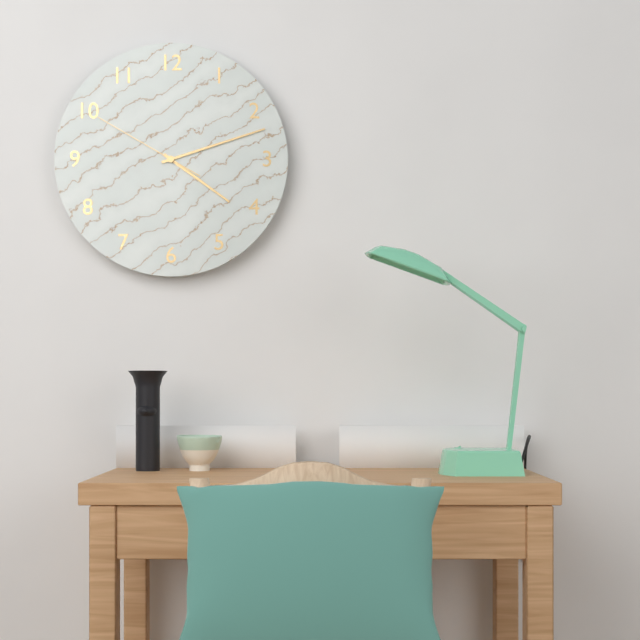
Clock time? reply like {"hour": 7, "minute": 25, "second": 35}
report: {"hour": 4, "minute": 12, "second": 50}
